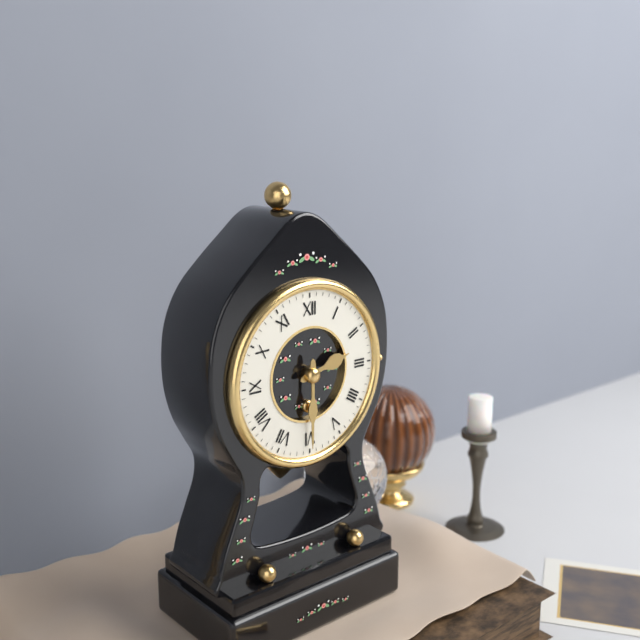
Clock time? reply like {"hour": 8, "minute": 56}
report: {"hour": 2, "minute": 30}
